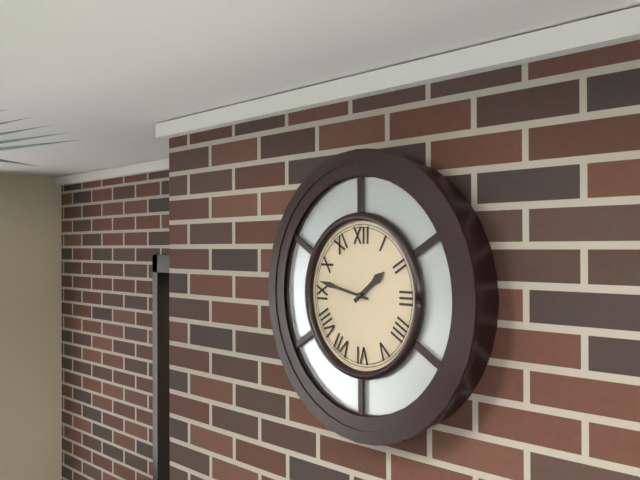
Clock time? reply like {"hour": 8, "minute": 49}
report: {"hour": 1, "minute": 47}
